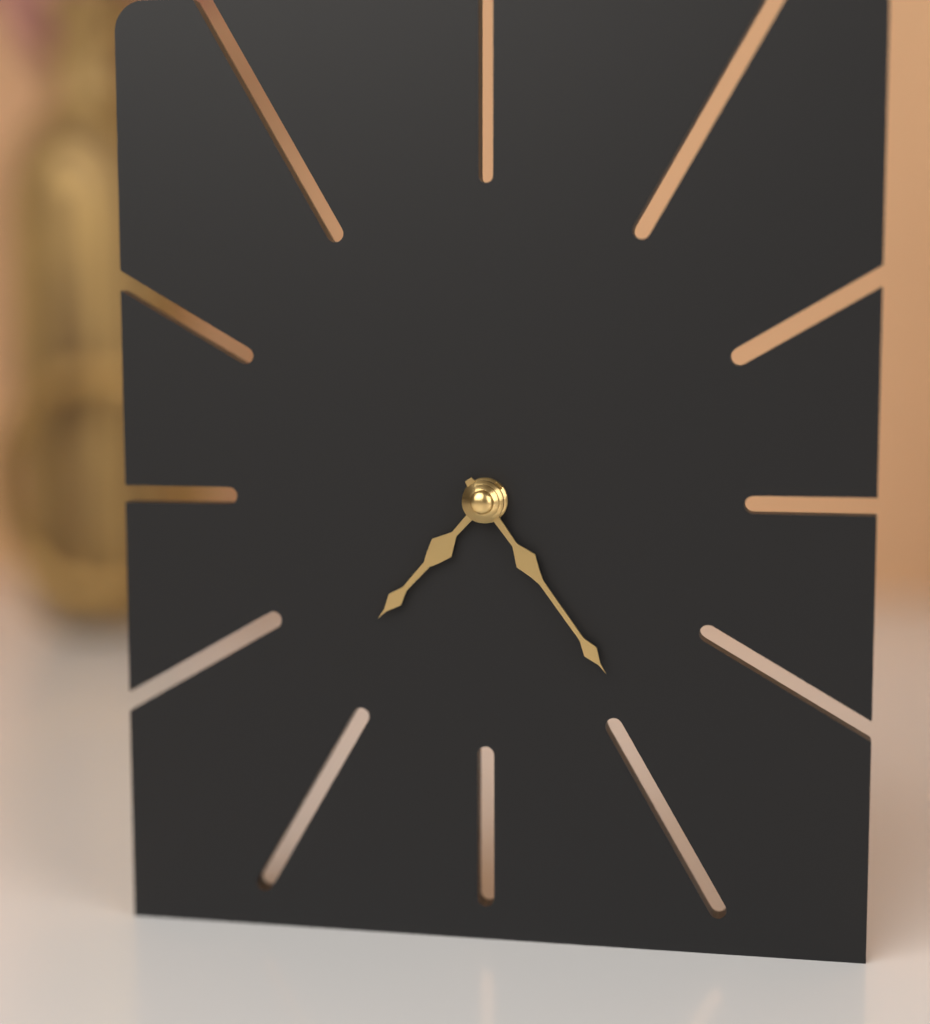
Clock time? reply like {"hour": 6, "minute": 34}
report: {"hour": 7, "minute": 24}
